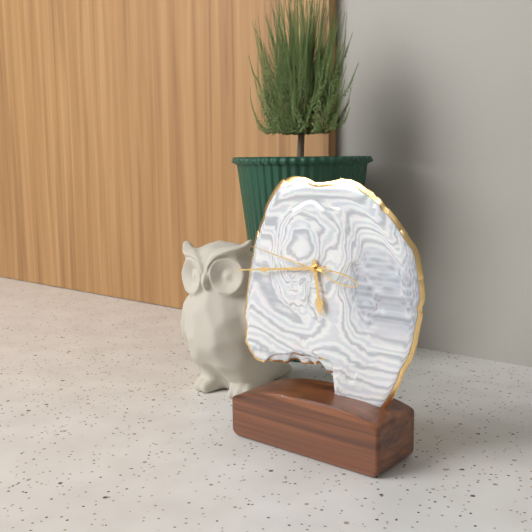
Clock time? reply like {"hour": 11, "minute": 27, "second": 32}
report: {"hour": 5, "minute": 44, "second": 47}
